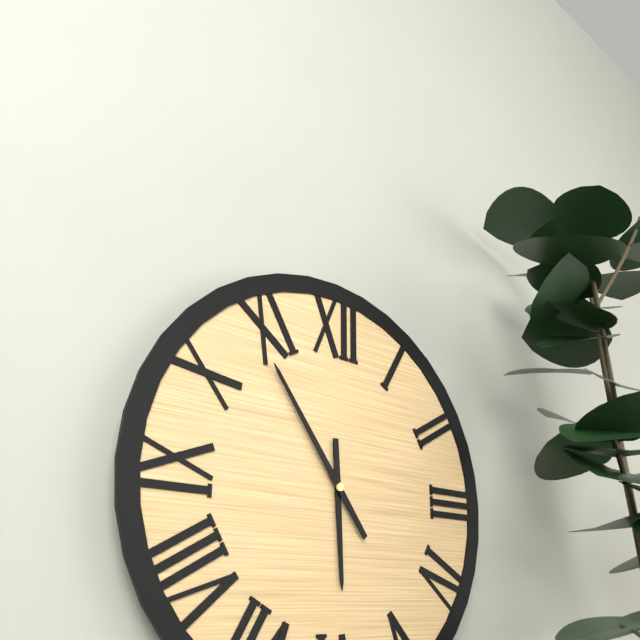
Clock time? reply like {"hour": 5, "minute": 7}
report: {"hour": 5, "minute": 54}
